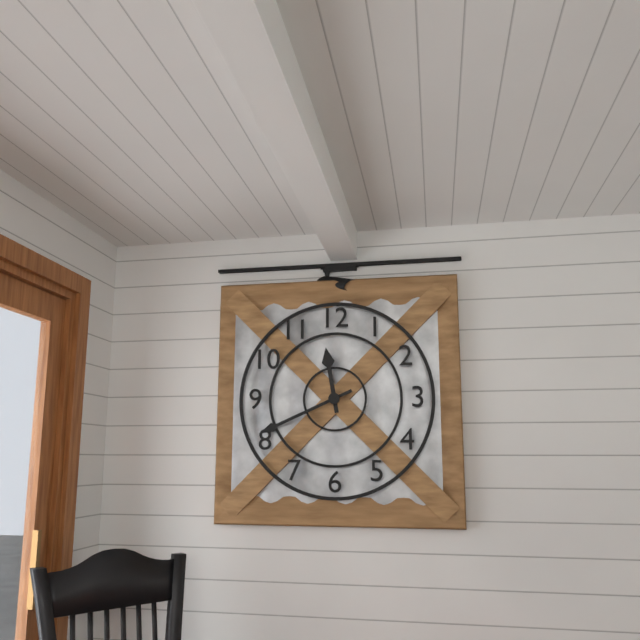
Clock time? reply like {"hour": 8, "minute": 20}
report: {"hour": 11, "minute": 41}
